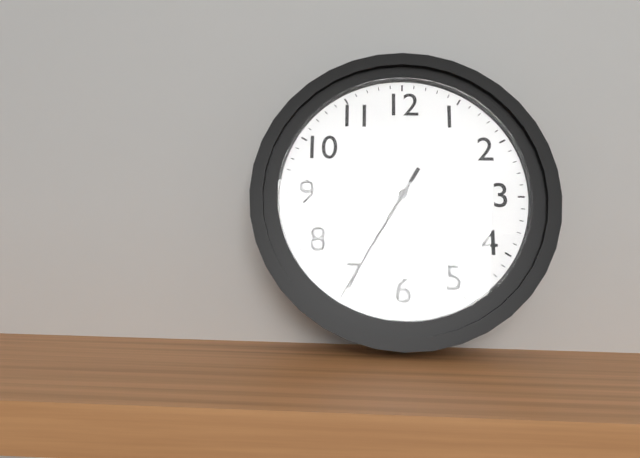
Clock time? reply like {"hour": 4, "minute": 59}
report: {"hour": 3, "minute": 35}
